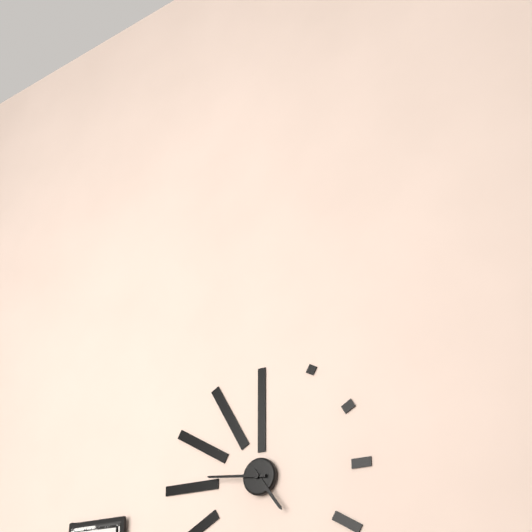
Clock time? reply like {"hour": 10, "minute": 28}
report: {"hour": 4, "minute": 46}
